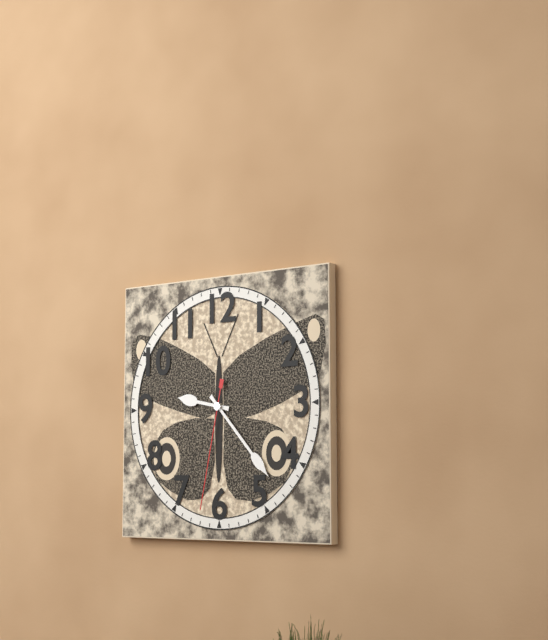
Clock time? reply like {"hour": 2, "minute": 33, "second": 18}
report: {"hour": 9, "minute": 23, "second": 32}
